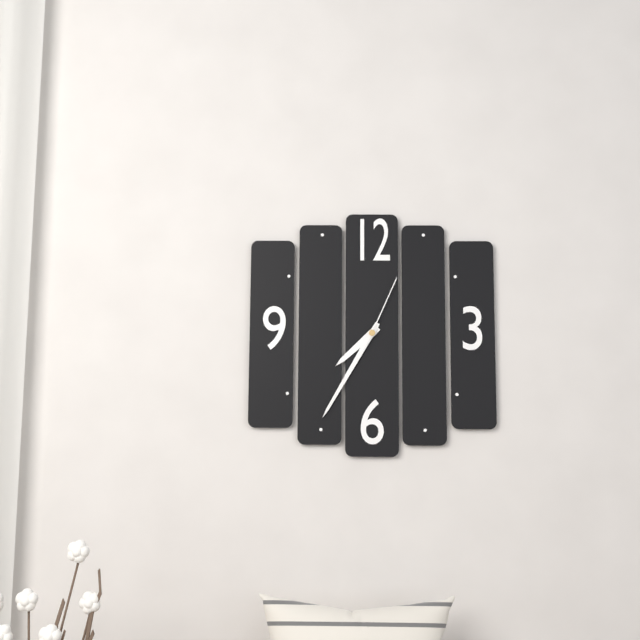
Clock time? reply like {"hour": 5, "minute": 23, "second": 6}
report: {"hour": 7, "minute": 35, "second": 4}
